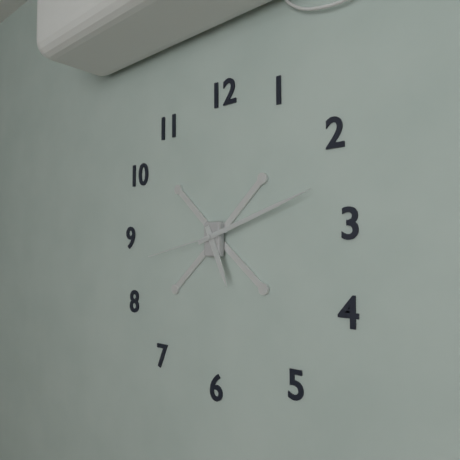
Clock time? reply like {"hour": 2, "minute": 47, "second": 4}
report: {"hour": 5, "minute": 12, "second": 43}
